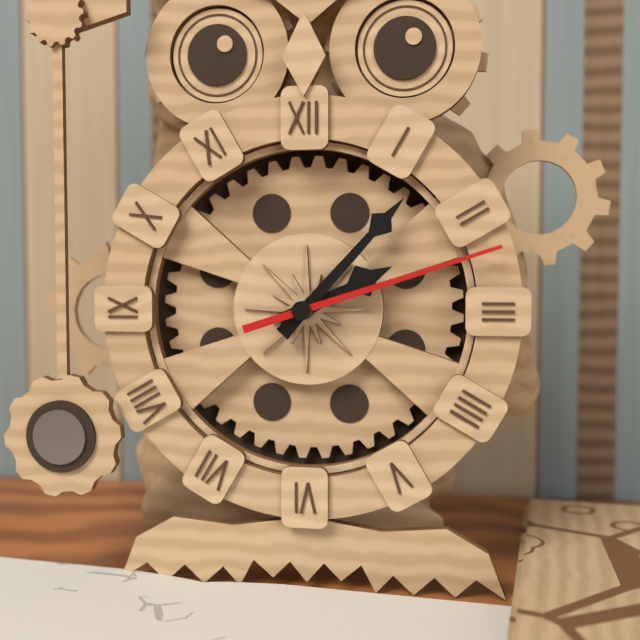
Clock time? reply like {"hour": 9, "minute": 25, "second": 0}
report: {"hour": 2, "minute": 7, "second": 12}
